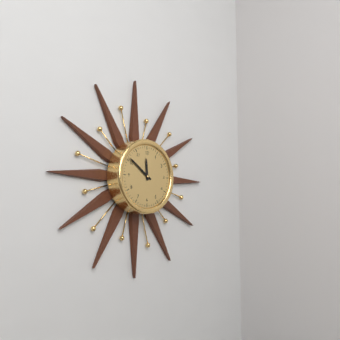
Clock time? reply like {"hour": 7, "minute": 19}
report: {"hour": 11, "minute": 51}
